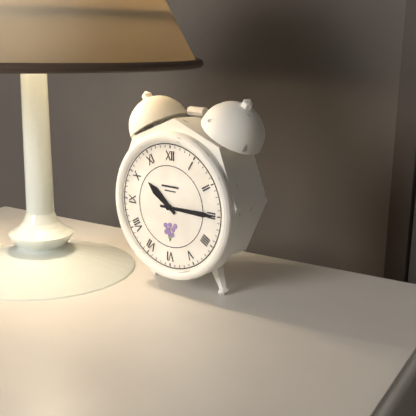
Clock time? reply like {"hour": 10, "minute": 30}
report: {"hour": 10, "minute": 15}
